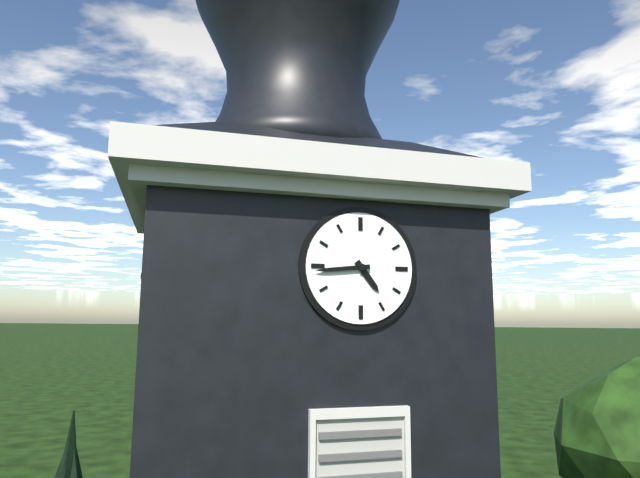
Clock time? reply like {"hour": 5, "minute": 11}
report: {"hour": 4, "minute": 44}
